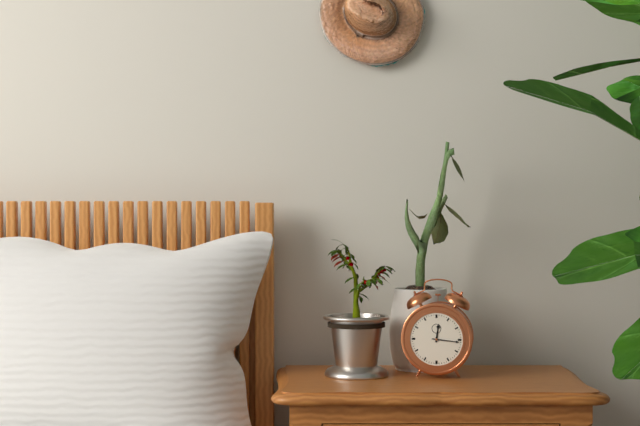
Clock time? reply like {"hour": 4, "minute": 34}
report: {"hour": 12, "minute": 16}
